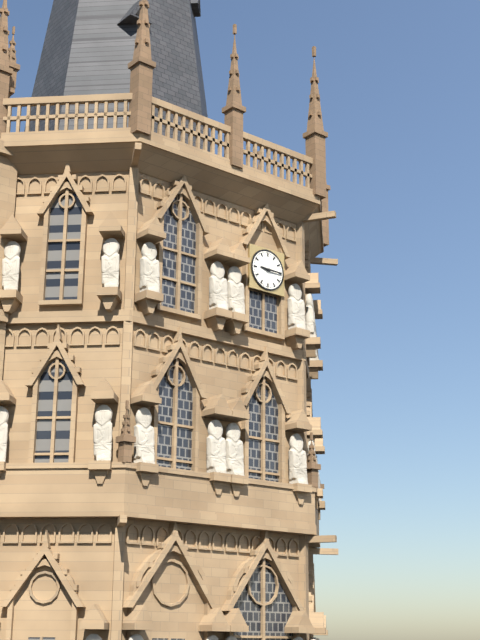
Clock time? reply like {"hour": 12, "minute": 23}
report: {"hour": 9, "minute": 15}
